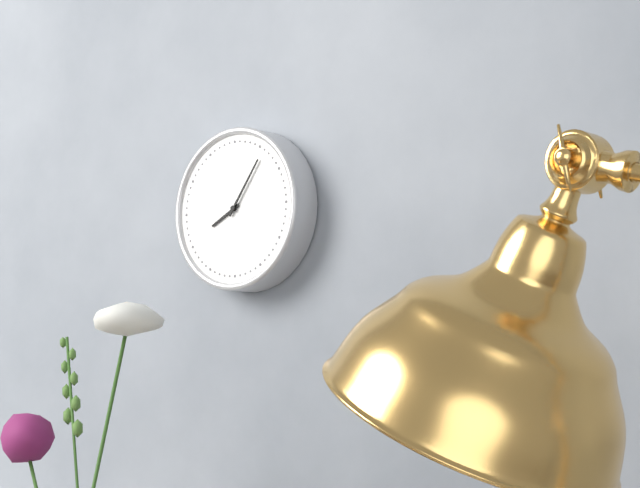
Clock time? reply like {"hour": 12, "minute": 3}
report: {"hour": 8, "minute": 6}
